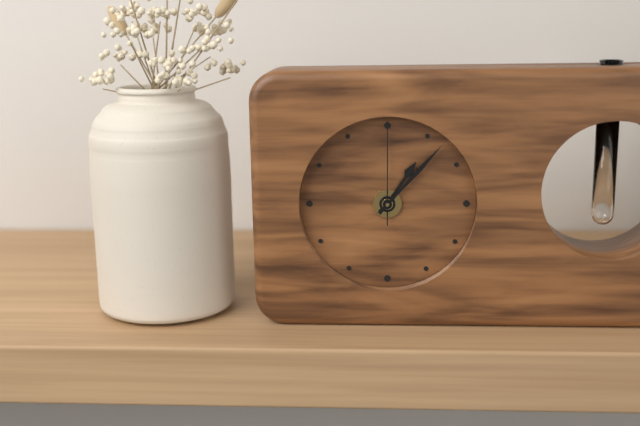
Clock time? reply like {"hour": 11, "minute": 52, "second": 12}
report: {"hour": 1, "minute": 7, "second": 0}
